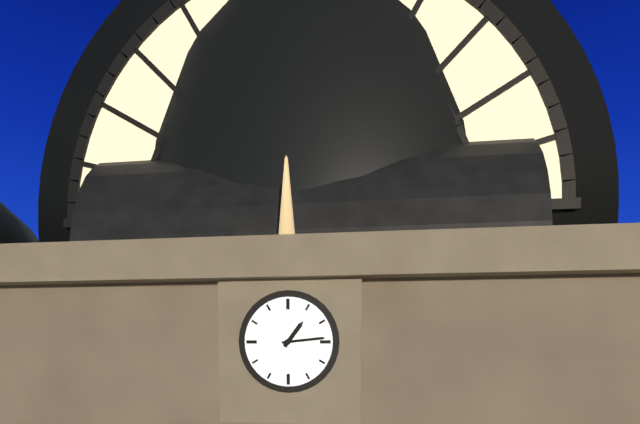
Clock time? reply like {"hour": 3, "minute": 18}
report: {"hour": 1, "minute": 14}
